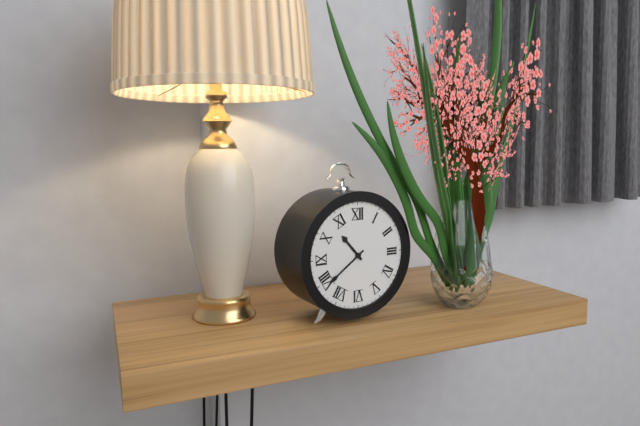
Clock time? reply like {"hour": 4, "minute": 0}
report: {"hour": 10, "minute": 39}
